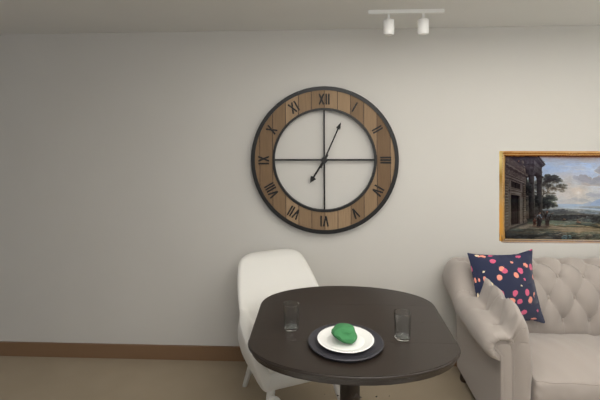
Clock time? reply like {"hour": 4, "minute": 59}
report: {"hour": 7, "minute": 4}
